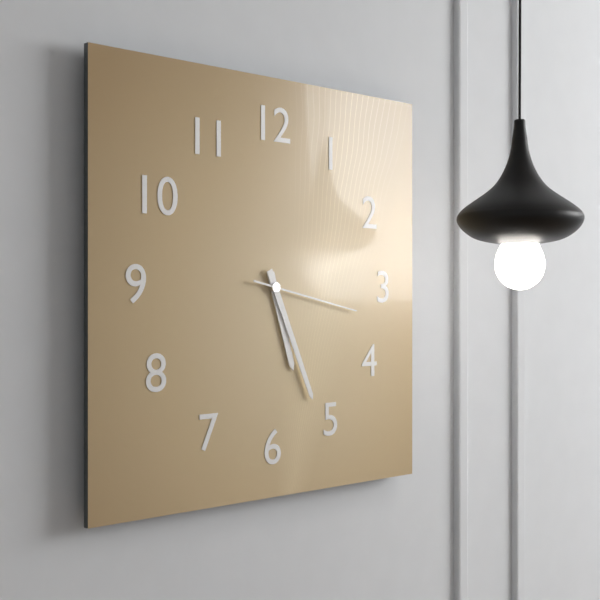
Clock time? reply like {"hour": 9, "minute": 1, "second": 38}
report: {"hour": 5, "minute": 26, "second": 17}
